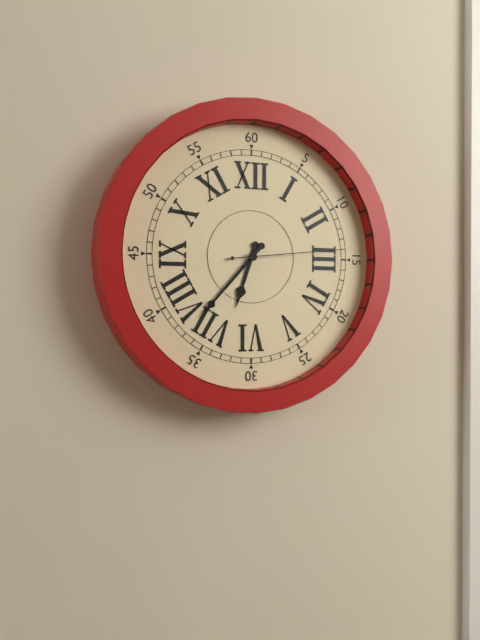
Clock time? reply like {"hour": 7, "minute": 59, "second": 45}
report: {"hour": 6, "minute": 37, "second": 14}
